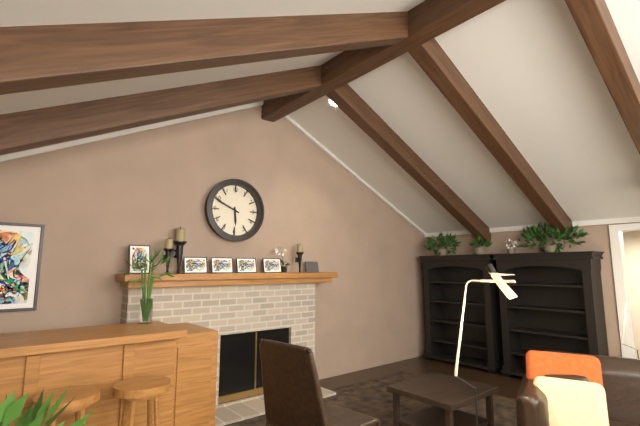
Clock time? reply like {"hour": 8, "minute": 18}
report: {"hour": 5, "minute": 49}
